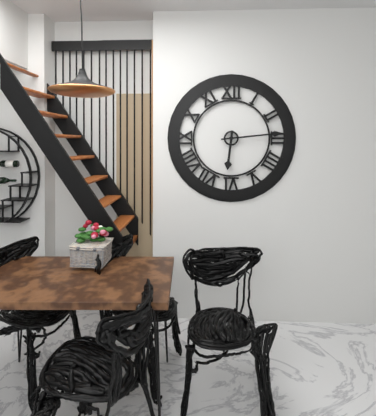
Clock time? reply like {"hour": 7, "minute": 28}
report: {"hour": 6, "minute": 14}
